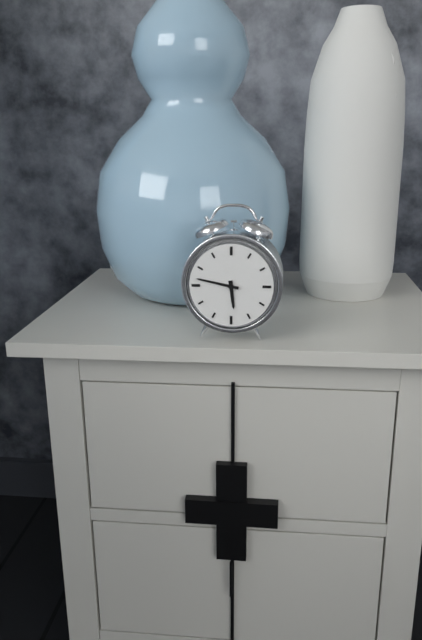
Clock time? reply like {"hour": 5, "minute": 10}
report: {"hour": 5, "minute": 47}
